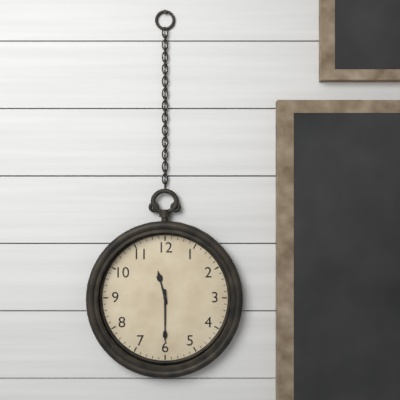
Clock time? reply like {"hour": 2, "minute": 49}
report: {"hour": 11, "minute": 30}
